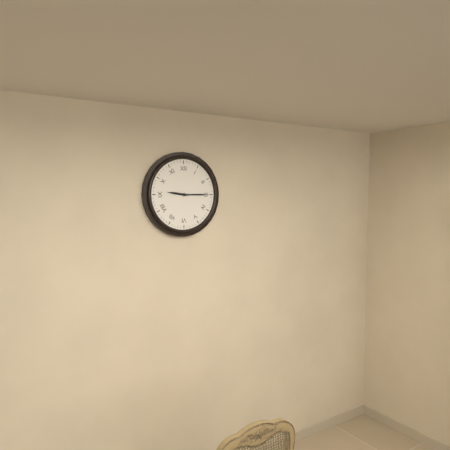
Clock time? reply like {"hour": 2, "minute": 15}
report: {"hour": 9, "minute": 15}
